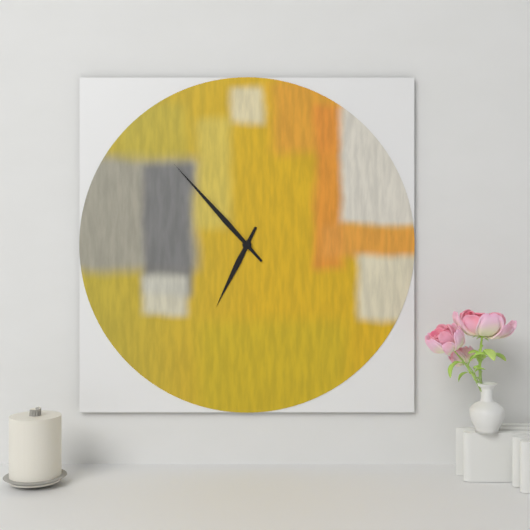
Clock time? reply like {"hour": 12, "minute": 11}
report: {"hour": 6, "minute": 53}
